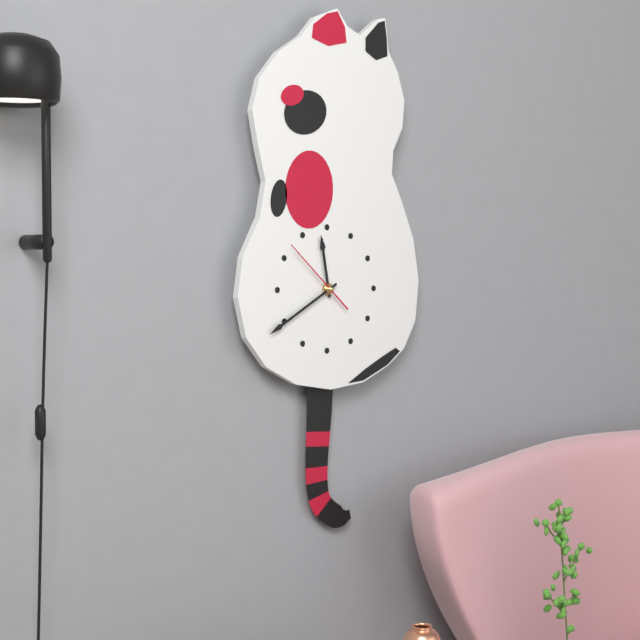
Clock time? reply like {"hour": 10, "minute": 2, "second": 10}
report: {"hour": 11, "minute": 40, "second": 52}
